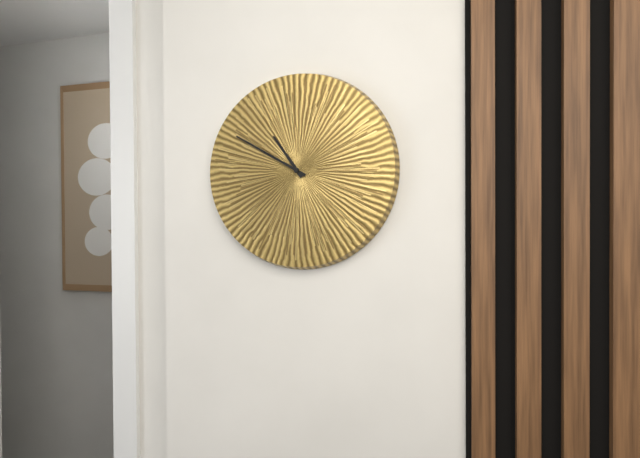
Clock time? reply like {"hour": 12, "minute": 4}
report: {"hour": 10, "minute": 50}
